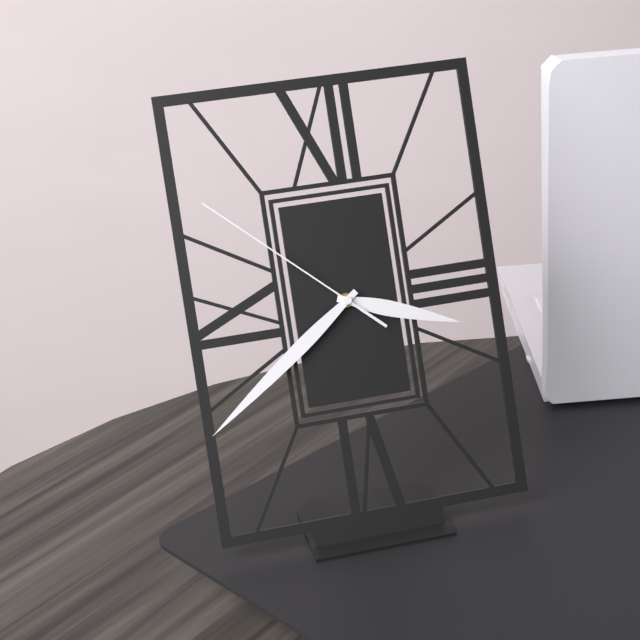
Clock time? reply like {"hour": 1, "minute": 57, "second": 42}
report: {"hour": 3, "minute": 39, "second": 52}
